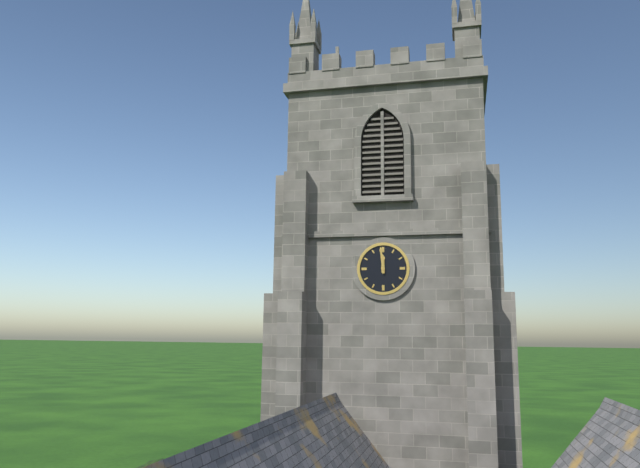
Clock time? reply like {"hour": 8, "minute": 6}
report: {"hour": 11, "minute": 59}
